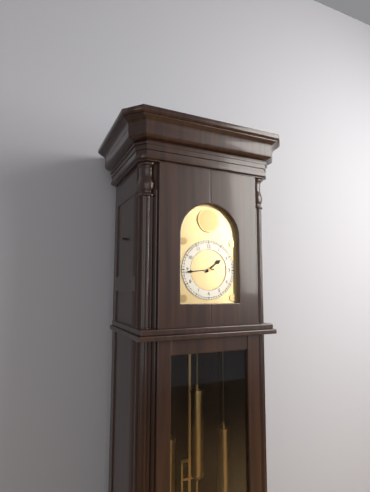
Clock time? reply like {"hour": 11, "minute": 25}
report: {"hour": 1, "minute": 44}
